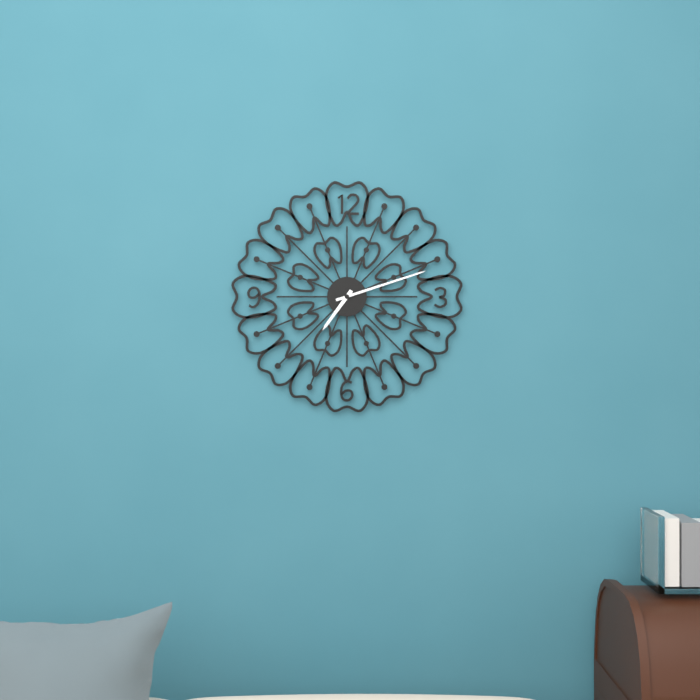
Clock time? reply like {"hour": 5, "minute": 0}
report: {"hour": 7, "minute": 12}
